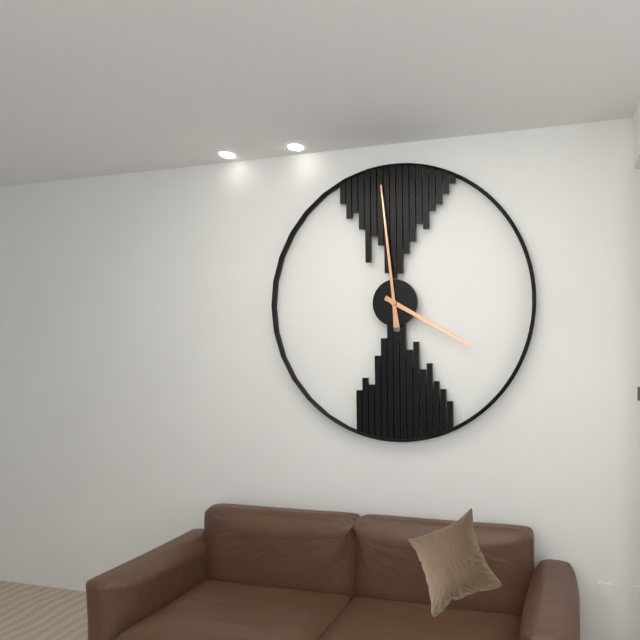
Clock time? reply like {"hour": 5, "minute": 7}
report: {"hour": 3, "minute": 59}
